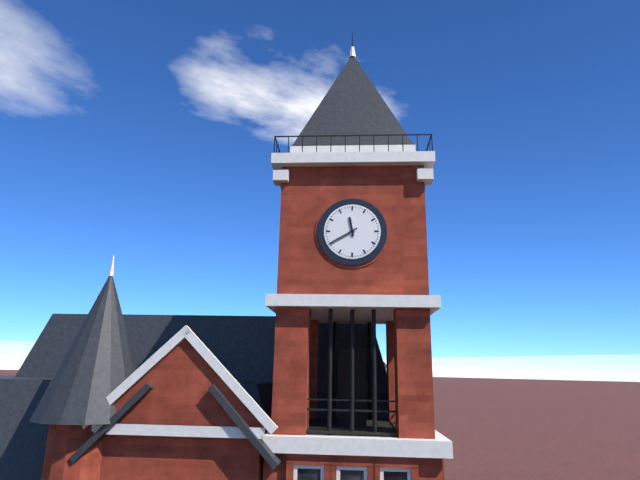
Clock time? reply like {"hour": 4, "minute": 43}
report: {"hour": 11, "minute": 40}
